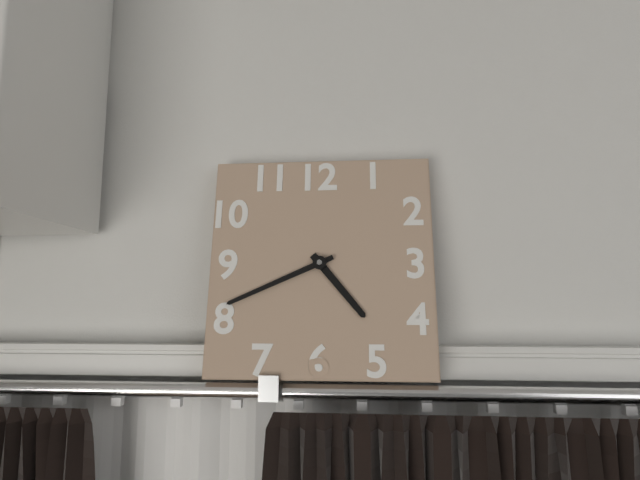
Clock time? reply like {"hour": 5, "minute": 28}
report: {"hour": 4, "minute": 41}
